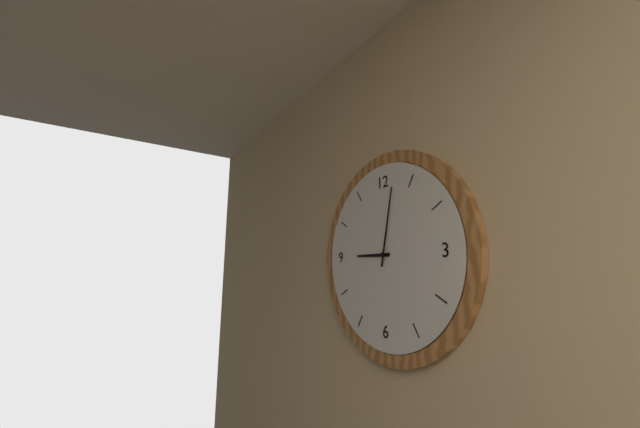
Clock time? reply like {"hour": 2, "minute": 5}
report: {"hour": 9, "minute": 2}
